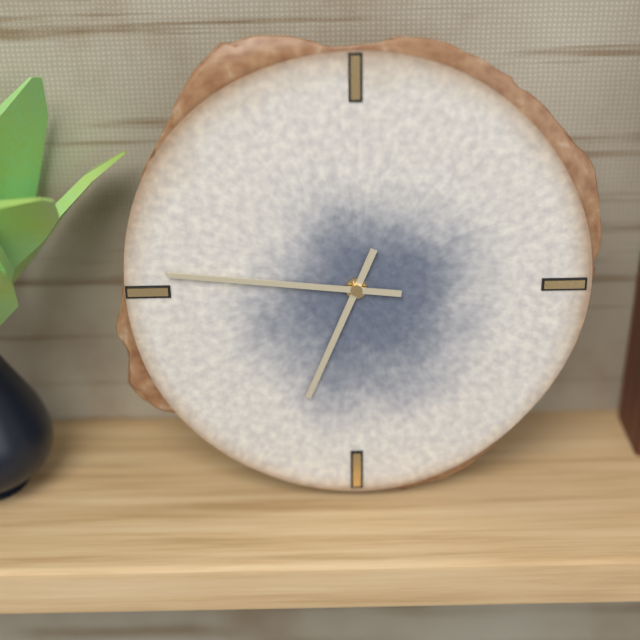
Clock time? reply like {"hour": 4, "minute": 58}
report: {"hour": 6, "minute": 46}
